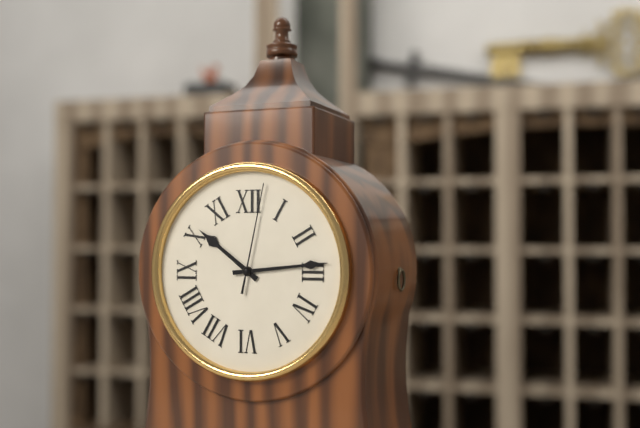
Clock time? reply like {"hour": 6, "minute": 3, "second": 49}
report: {"hour": 10, "minute": 14, "second": 2}
